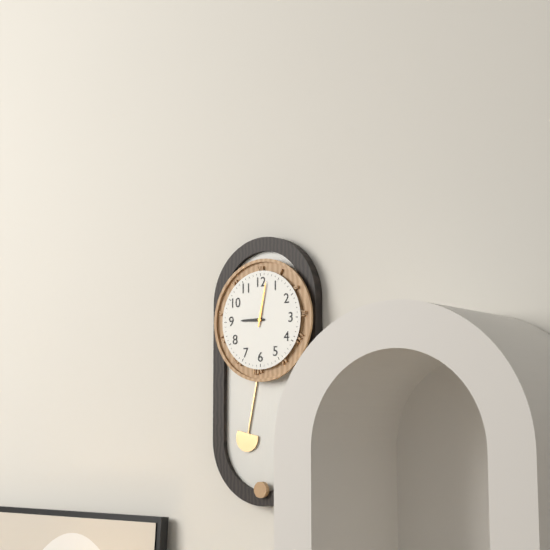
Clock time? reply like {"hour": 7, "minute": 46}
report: {"hour": 9, "minute": 2}
